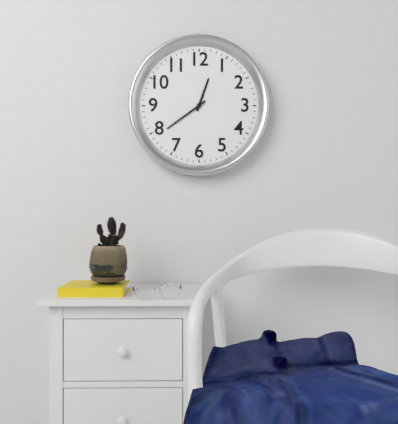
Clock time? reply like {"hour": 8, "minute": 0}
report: {"hour": 12, "minute": 39}
